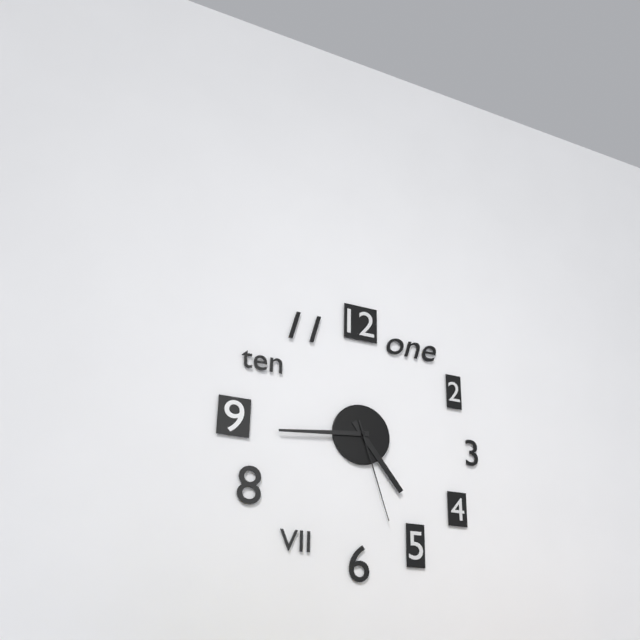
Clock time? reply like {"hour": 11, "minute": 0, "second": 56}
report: {"hour": 4, "minute": 44, "second": 27}
